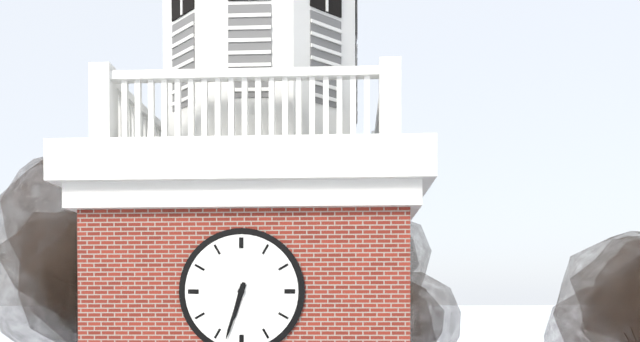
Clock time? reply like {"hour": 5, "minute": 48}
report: {"hour": 6, "minute": 33}
